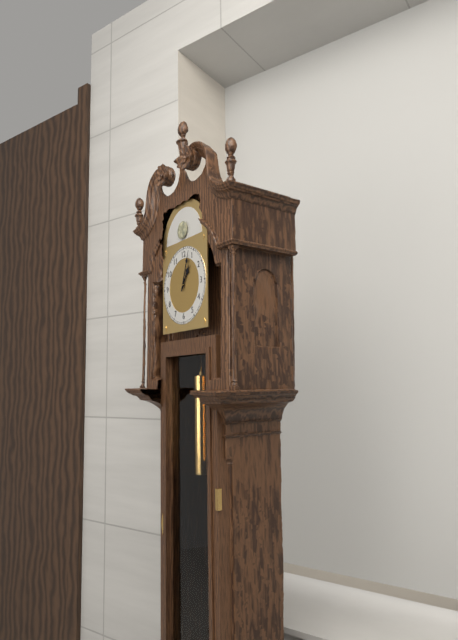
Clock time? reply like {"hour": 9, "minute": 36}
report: {"hour": 1, "minute": 3}
